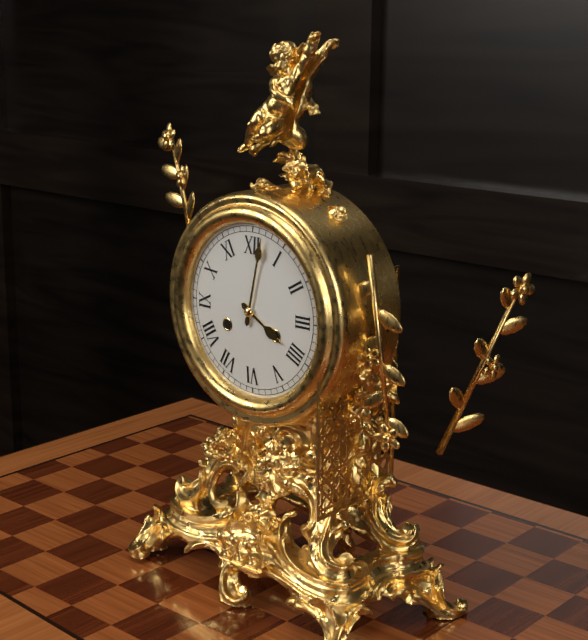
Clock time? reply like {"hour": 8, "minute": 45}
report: {"hour": 4, "minute": 2}
